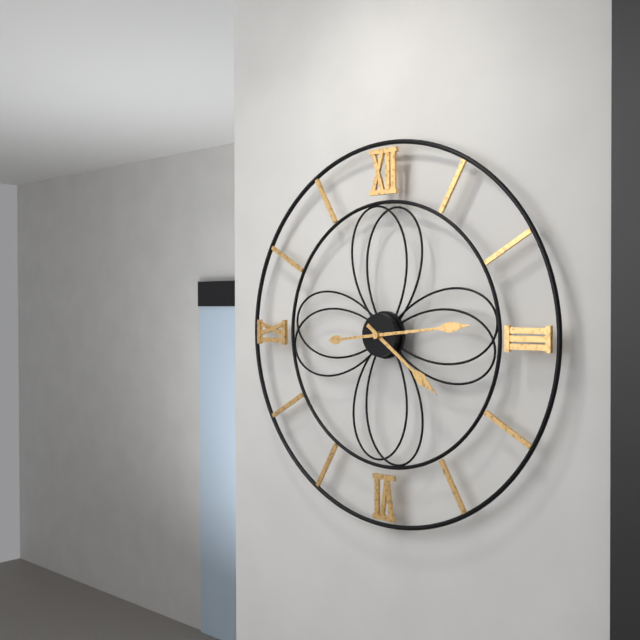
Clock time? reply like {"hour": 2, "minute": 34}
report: {"hour": 4, "minute": 14}
